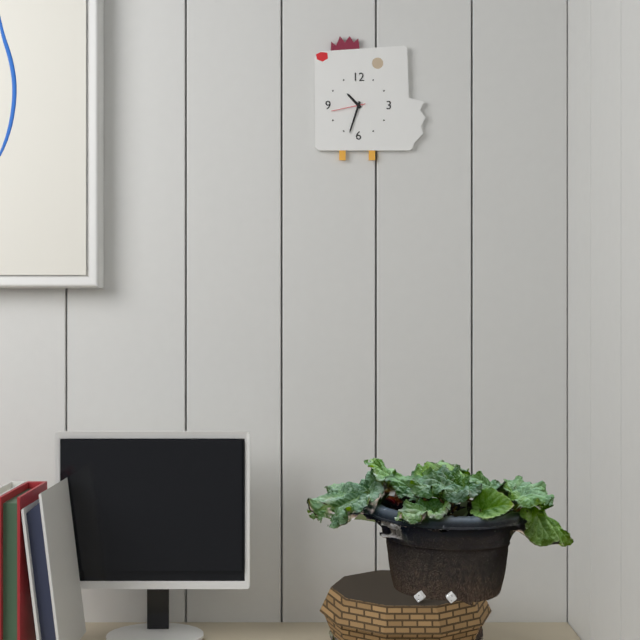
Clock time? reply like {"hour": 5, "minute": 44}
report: {"hour": 10, "minute": 33}
